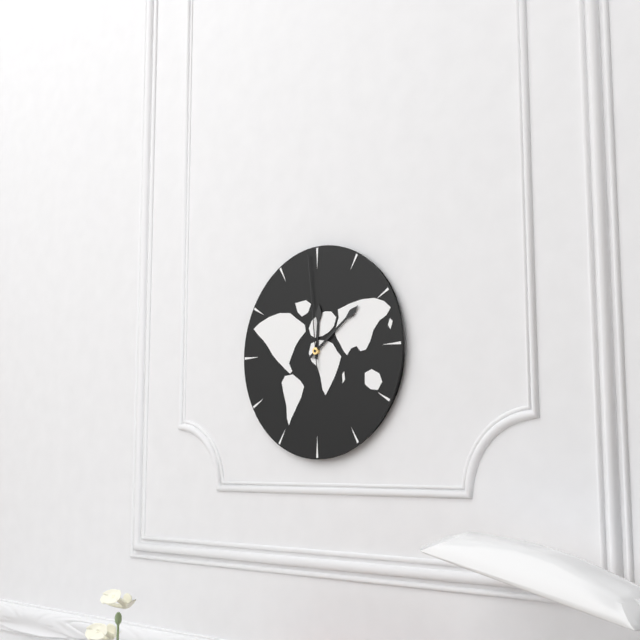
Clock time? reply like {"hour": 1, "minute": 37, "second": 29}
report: {"hour": 12, "minute": 9, "second": 59}
